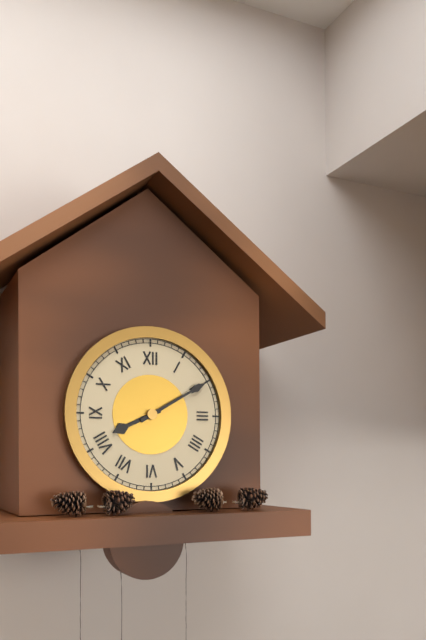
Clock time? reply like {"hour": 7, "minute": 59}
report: {"hour": 8, "minute": 10}
